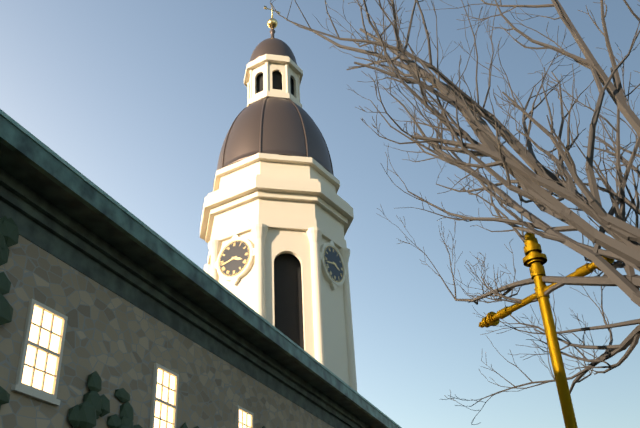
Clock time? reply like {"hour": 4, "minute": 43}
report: {"hour": 3, "minute": 43}
